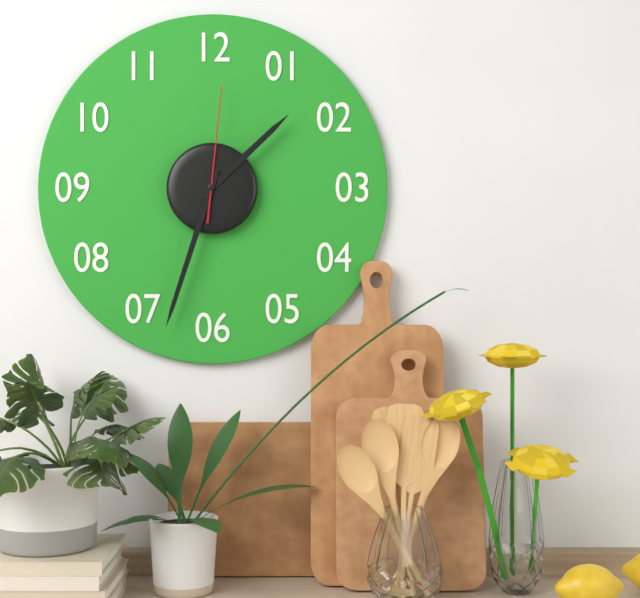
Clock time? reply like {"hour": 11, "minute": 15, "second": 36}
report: {"hour": 1, "minute": 33, "second": 1}
